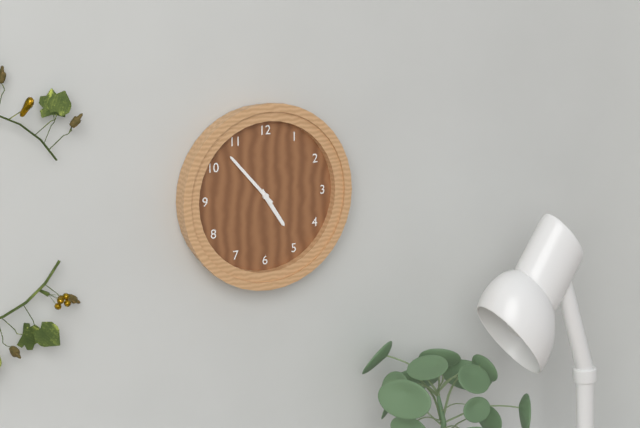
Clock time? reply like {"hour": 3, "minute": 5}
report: {"hour": 4, "minute": 53}
